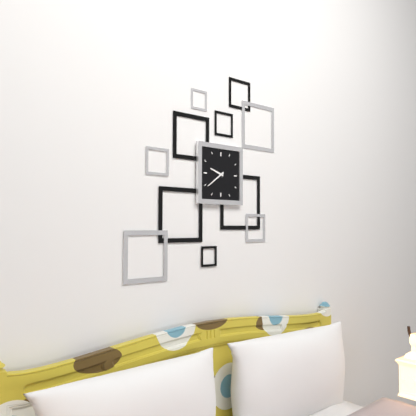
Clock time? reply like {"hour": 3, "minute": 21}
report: {"hour": 9, "minute": 39}
